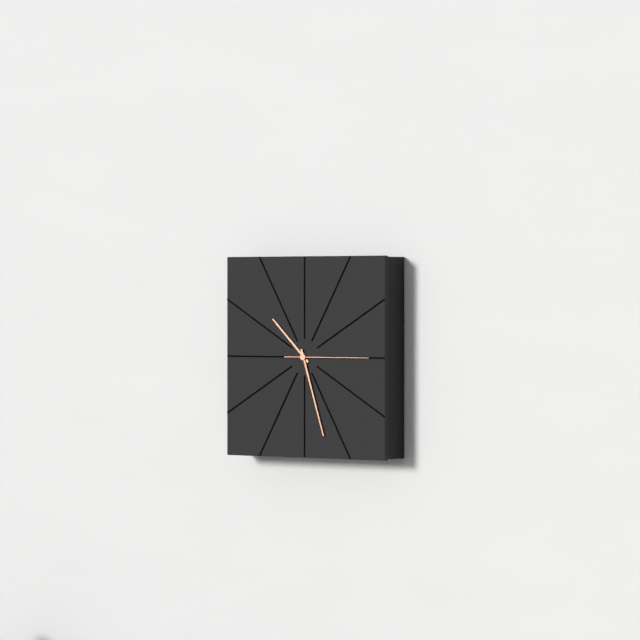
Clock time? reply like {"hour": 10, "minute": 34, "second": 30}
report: {"hour": 10, "minute": 27, "second": 15}
